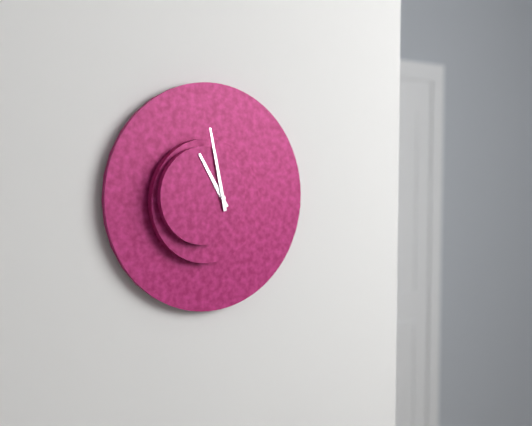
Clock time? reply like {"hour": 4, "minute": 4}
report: {"hour": 10, "minute": 58}
